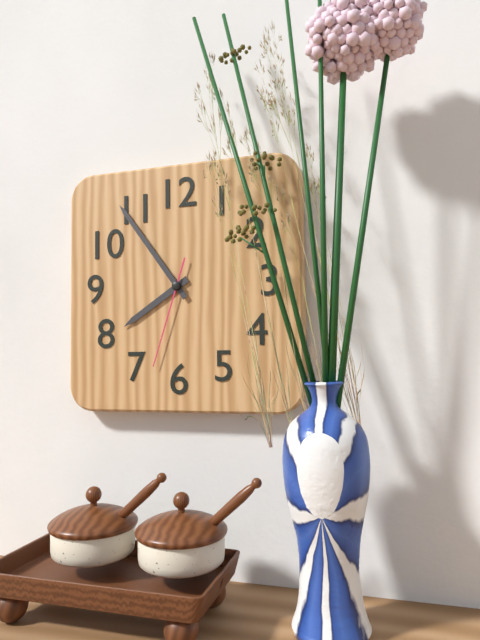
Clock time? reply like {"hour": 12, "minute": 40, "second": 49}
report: {"hour": 7, "minute": 54, "second": 33}
